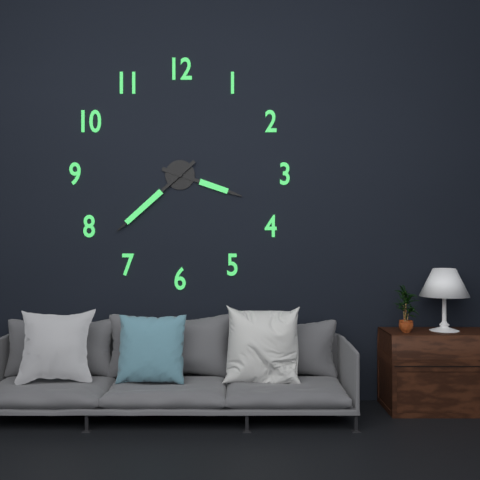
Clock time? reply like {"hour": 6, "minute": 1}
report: {"hour": 3, "minute": 38}
